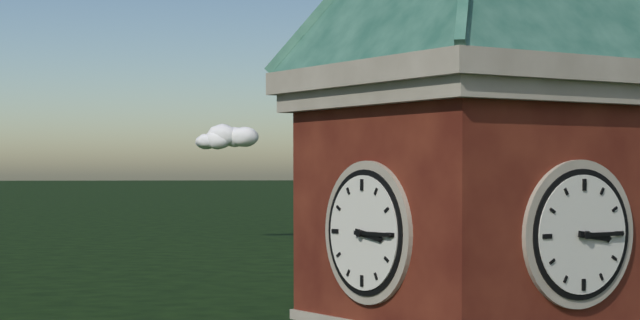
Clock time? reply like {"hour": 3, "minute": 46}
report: {"hour": 3, "minute": 15}
